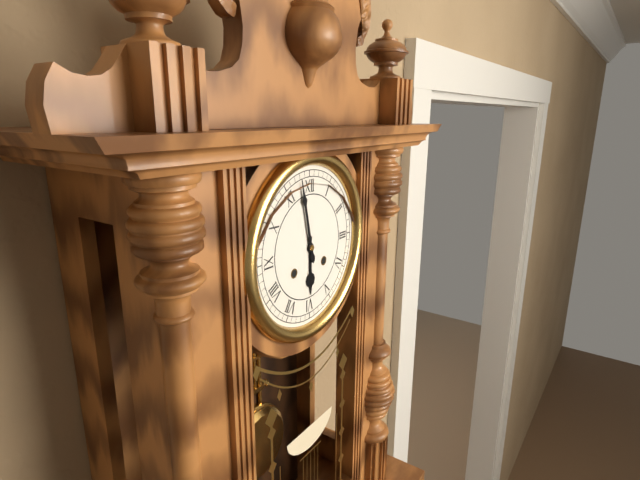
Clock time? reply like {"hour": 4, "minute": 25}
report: {"hour": 5, "minute": 58}
